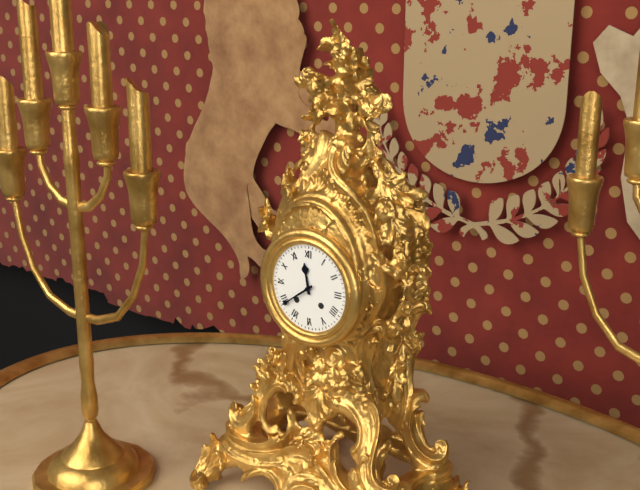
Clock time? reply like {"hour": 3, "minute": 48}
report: {"hour": 11, "minute": 39}
